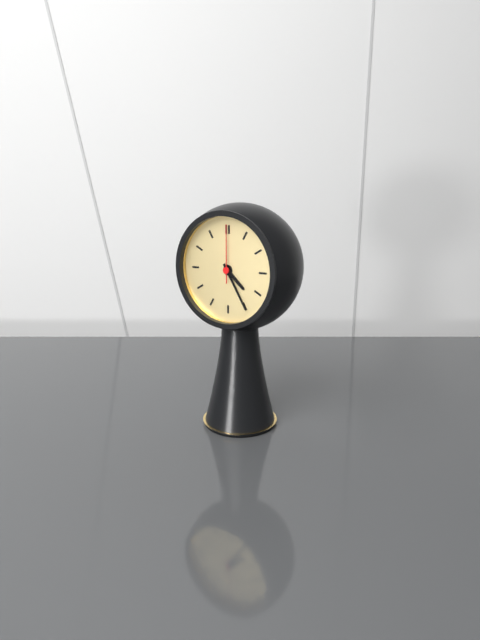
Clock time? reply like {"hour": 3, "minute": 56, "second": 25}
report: {"hour": 4, "minute": 25, "second": 0}
